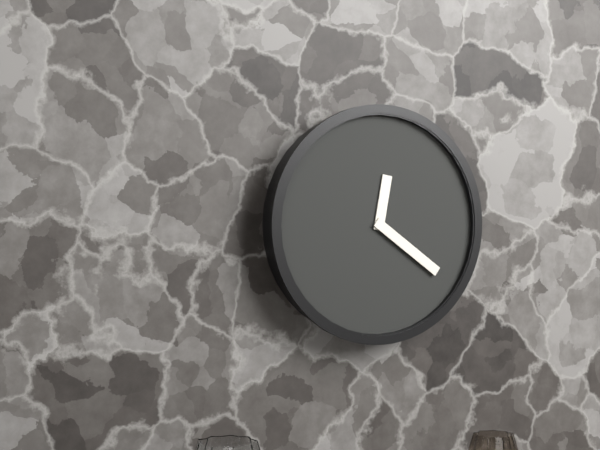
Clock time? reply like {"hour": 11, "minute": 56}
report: {"hour": 12, "minute": 21}
